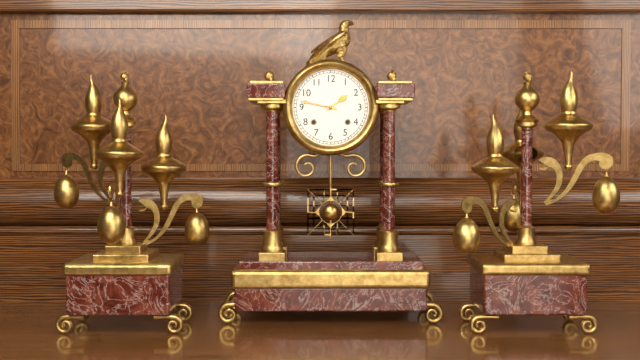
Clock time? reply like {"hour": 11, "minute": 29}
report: {"hour": 1, "minute": 47}
